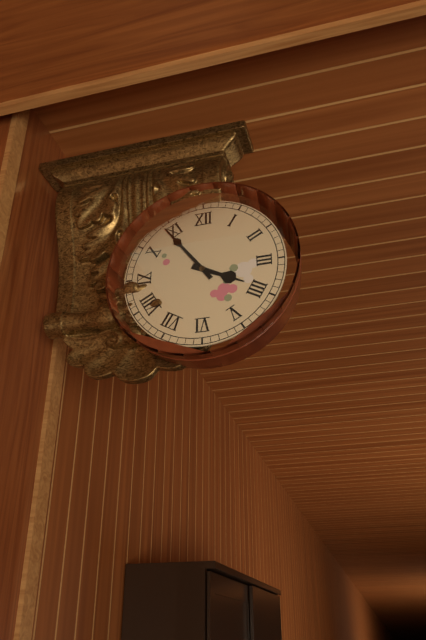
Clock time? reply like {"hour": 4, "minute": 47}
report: {"hour": 3, "minute": 54}
